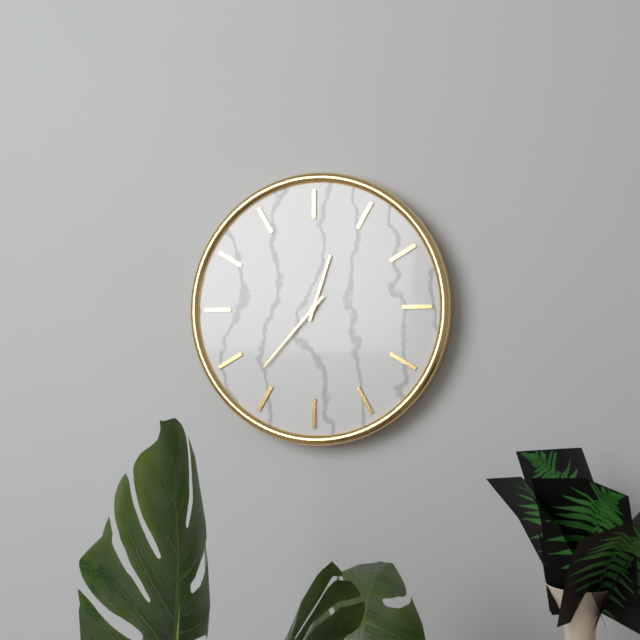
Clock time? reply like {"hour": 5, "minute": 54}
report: {"hour": 12, "minute": 37}
